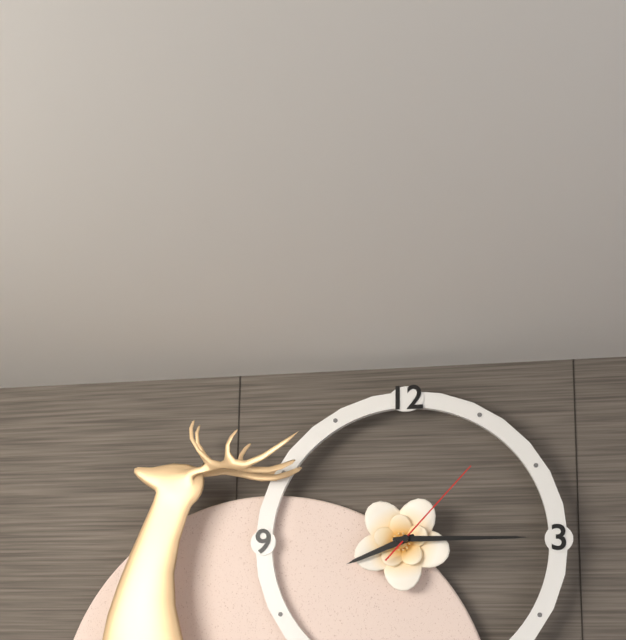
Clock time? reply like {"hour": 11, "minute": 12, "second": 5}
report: {"hour": 8, "minute": 15, "second": 7}
